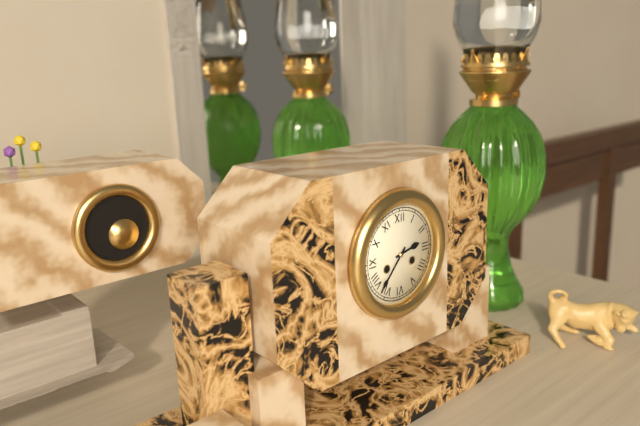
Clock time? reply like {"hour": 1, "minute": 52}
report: {"hour": 2, "minute": 37}
